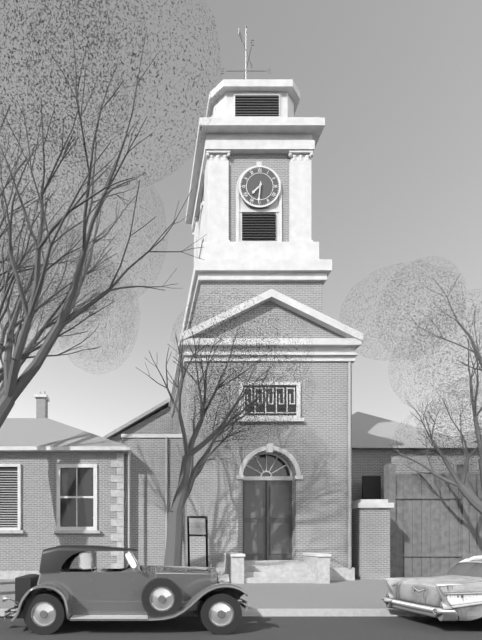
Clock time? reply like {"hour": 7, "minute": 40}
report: {"hour": 7, "minute": 31}
